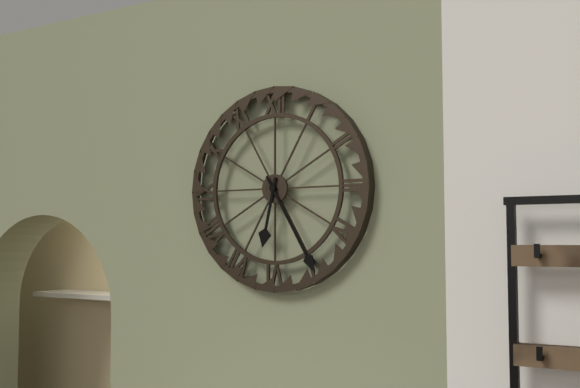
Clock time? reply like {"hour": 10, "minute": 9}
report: {"hour": 6, "minute": 25}
